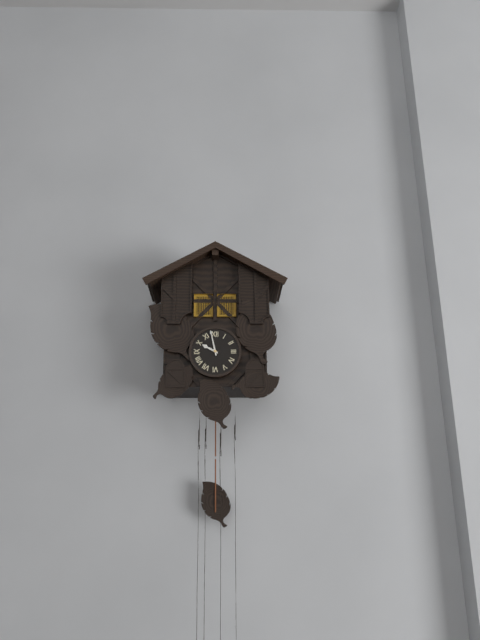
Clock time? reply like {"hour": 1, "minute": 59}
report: {"hour": 9, "minute": 58}
